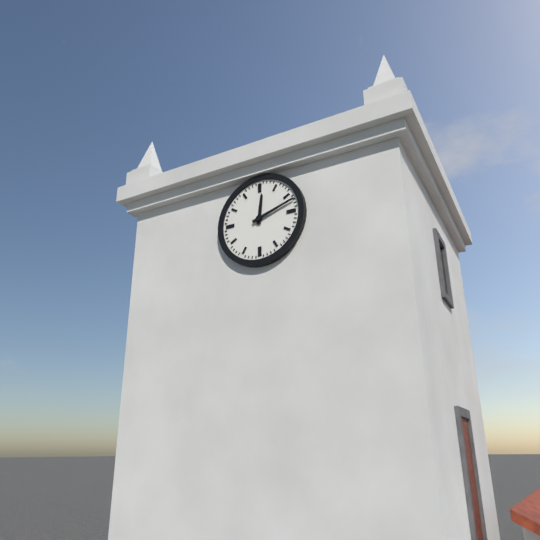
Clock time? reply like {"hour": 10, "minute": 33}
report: {"hour": 12, "minute": 12}
